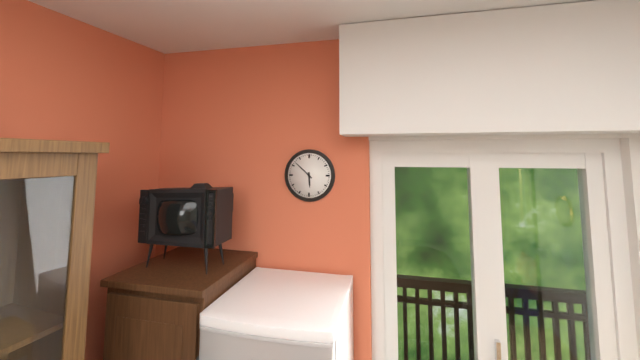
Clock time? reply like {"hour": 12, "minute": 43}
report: {"hour": 5, "minute": 52}
